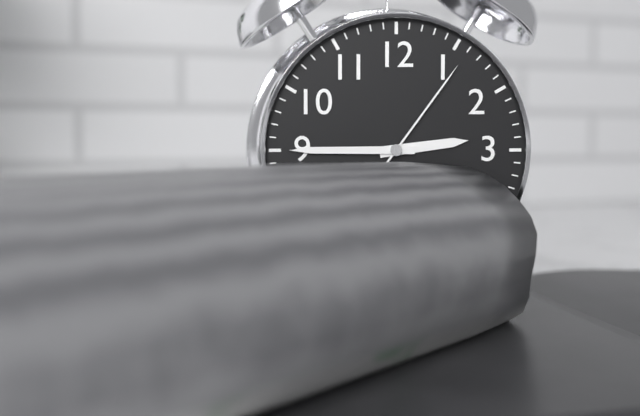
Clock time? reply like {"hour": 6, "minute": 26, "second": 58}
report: {"hour": 2, "minute": 45, "second": 6}
